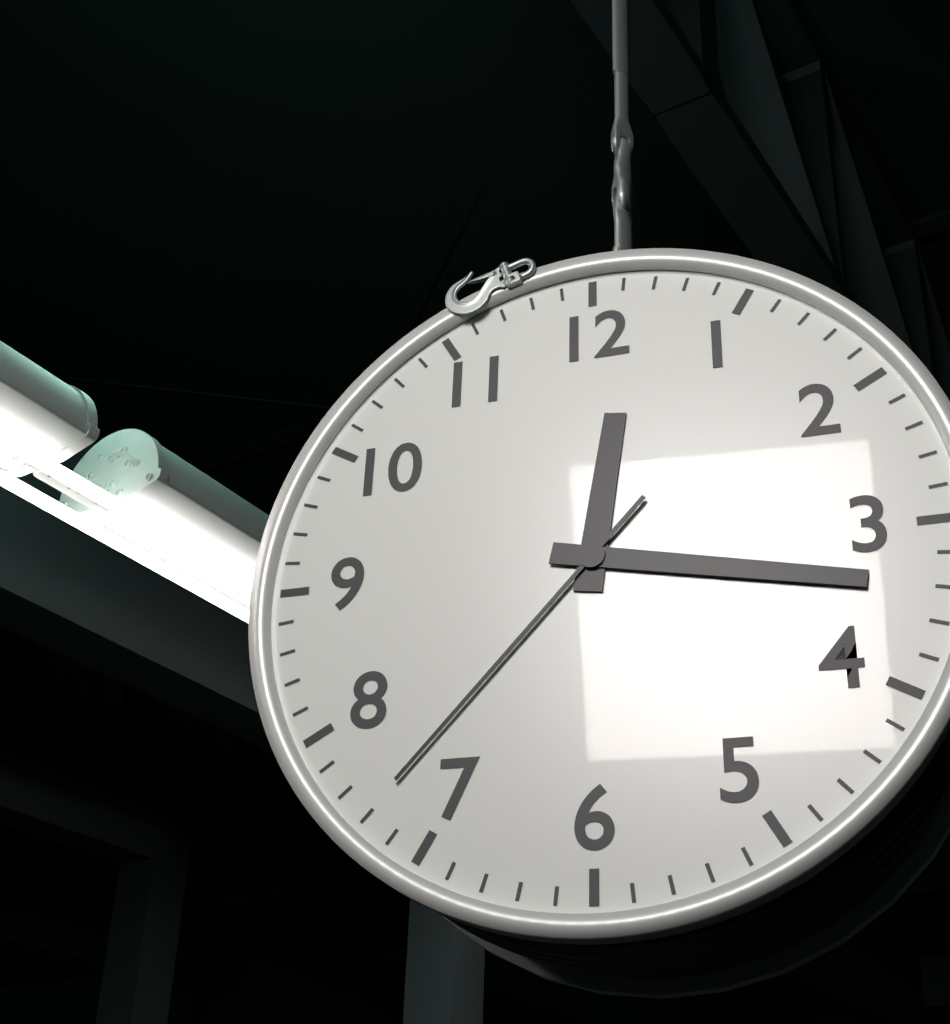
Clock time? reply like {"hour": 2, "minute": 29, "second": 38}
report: {"hour": 12, "minute": 17, "second": 37}
